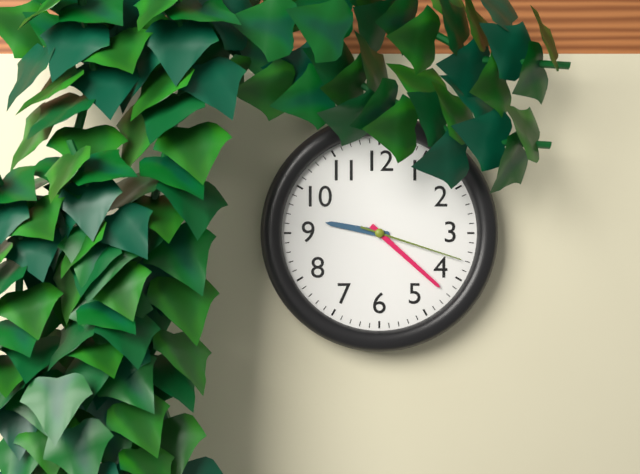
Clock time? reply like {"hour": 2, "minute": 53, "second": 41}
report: {"hour": 9, "minute": 22, "second": 18}
